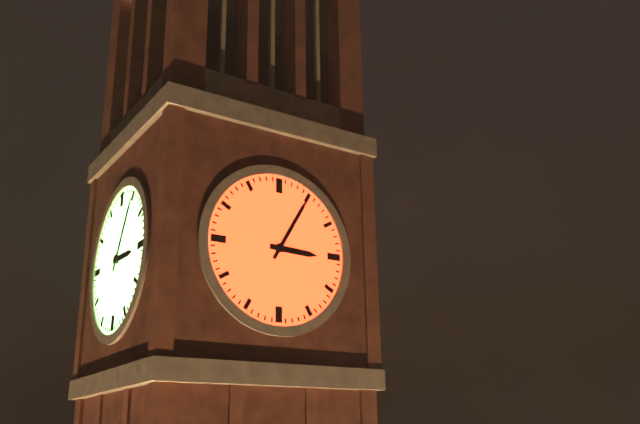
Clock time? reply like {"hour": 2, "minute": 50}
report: {"hour": 3, "minute": 5}
